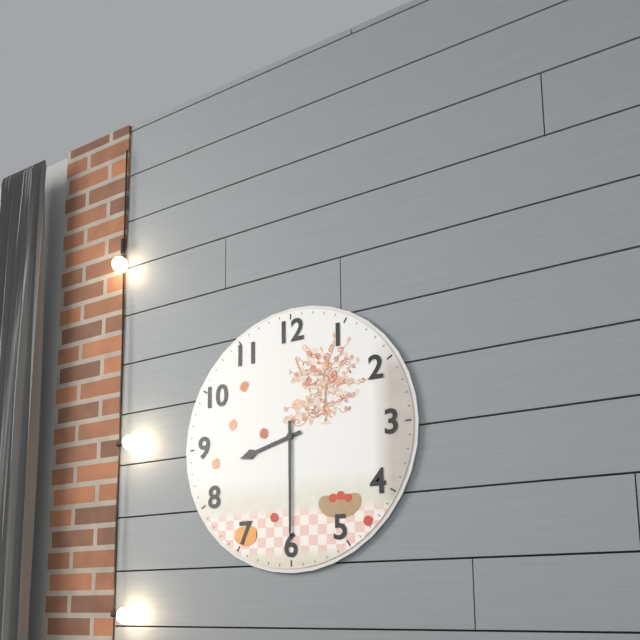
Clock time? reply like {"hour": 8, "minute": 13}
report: {"hour": 8, "minute": 30}
